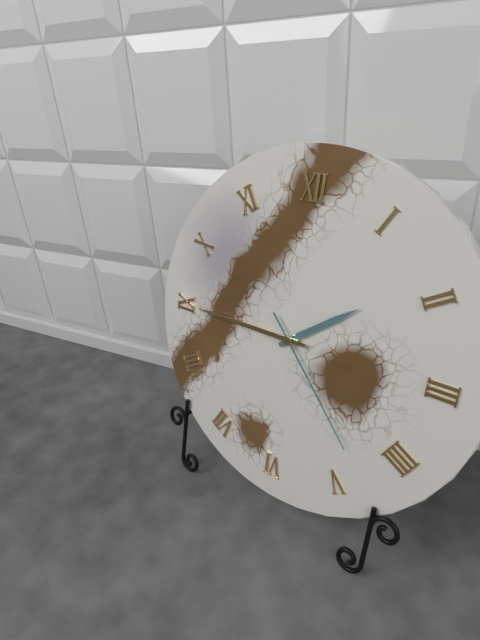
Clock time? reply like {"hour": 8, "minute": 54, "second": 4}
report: {"hour": 1, "minute": 45, "second": 23}
